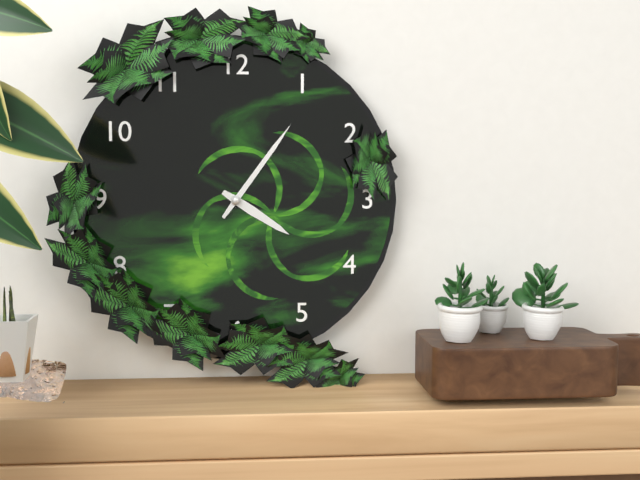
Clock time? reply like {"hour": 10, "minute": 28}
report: {"hour": 4, "minute": 6}
